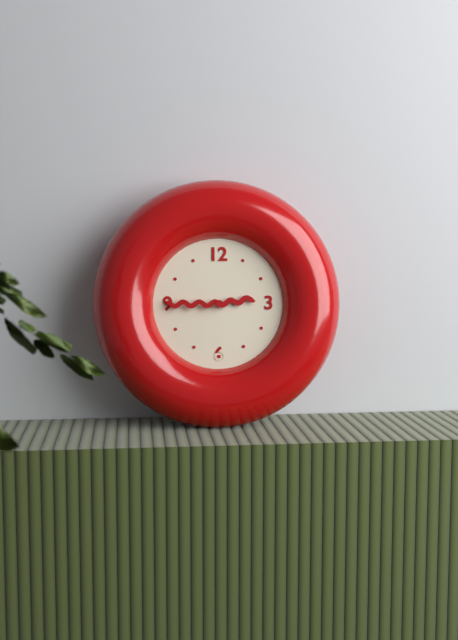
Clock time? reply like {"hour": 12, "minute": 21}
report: {"hour": 2, "minute": 45}
